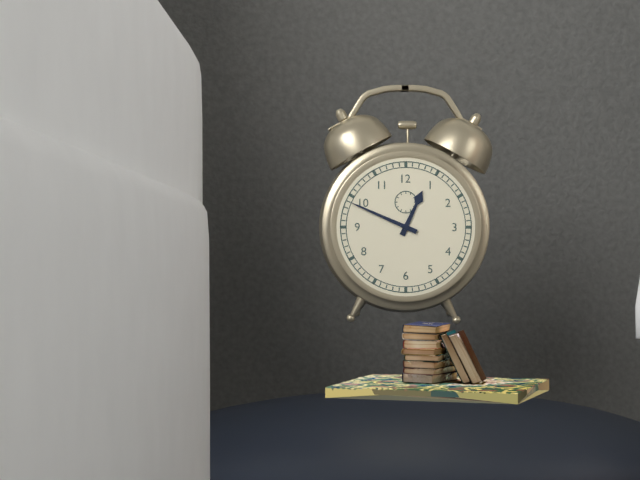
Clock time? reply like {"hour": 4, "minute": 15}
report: {"hour": 12, "minute": 49}
